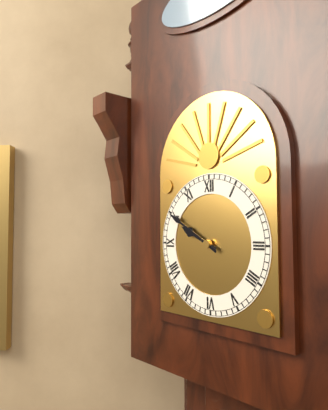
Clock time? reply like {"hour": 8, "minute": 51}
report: {"hour": 9, "minute": 50}
